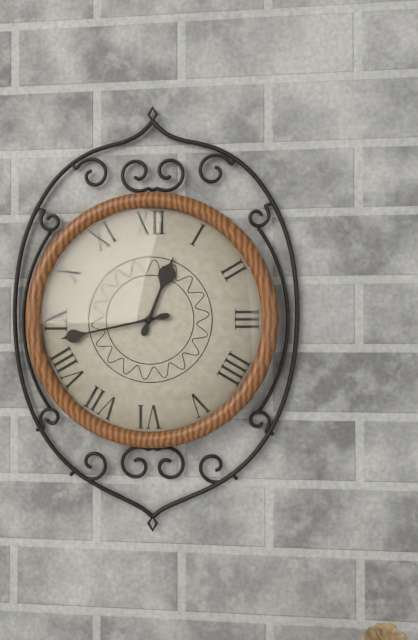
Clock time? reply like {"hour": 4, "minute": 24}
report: {"hour": 12, "minute": 43}
